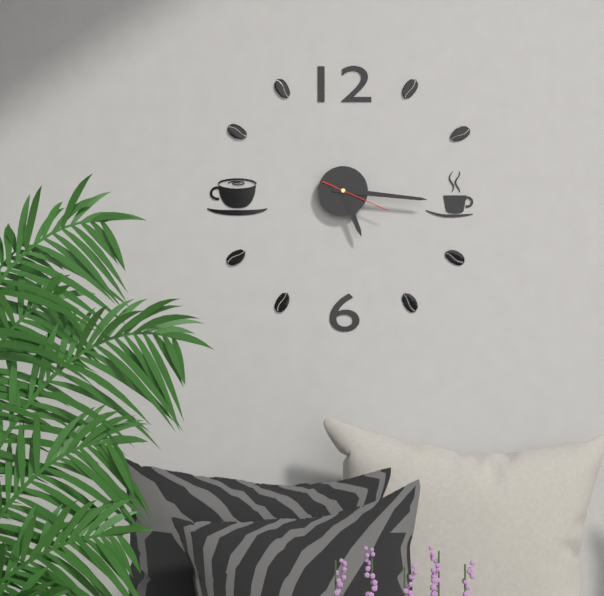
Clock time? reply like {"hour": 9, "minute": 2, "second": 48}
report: {"hour": 5, "minute": 16, "second": 19}
